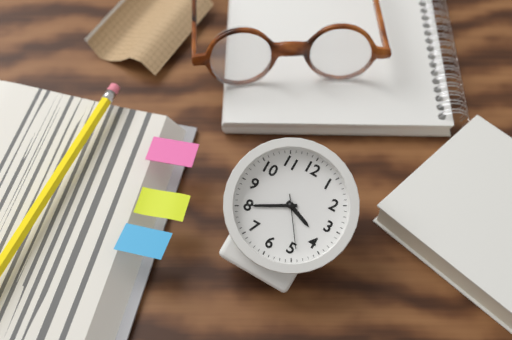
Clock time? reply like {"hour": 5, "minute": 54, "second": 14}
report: {"hour": 3, "minute": 40, "second": 24}
